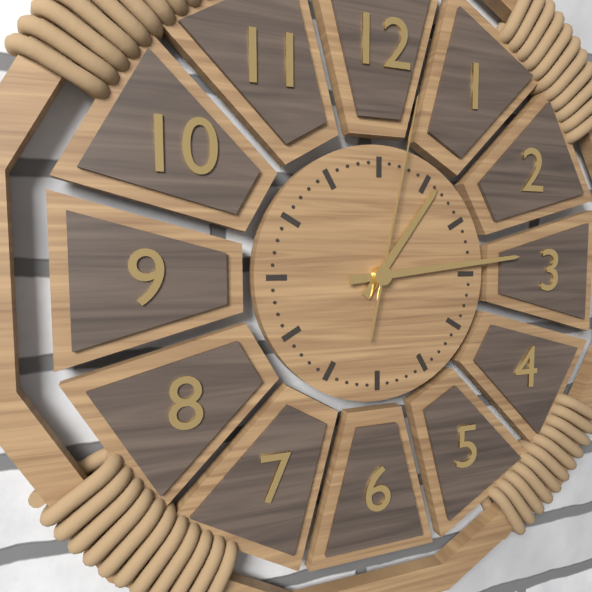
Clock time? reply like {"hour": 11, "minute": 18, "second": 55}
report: {"hour": 1, "minute": 14, "second": 2}
